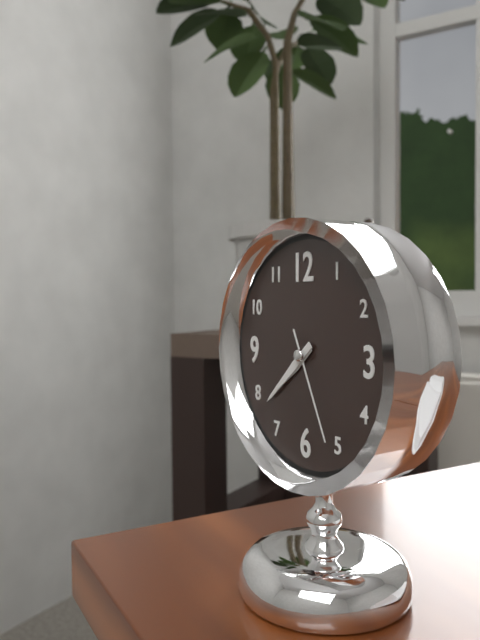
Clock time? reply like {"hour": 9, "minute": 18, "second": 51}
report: {"hour": 7, "minute": 38, "second": 26}
